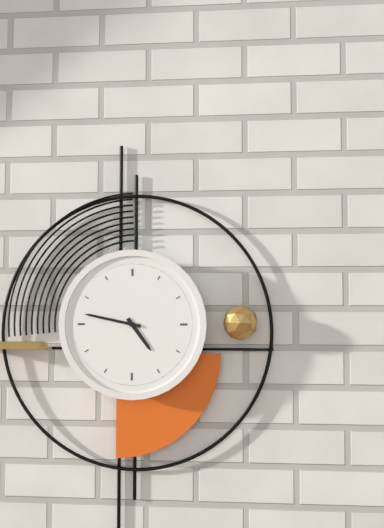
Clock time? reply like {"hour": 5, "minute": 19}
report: {"hour": 4, "minute": 47}
